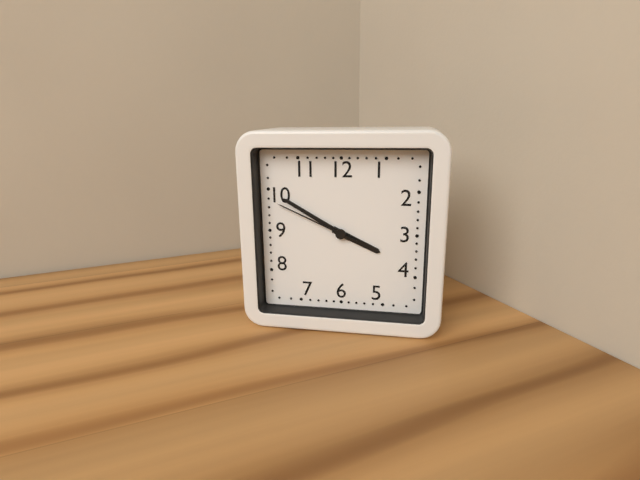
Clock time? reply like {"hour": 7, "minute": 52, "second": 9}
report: {"hour": 3, "minute": 50, "second": 49}
